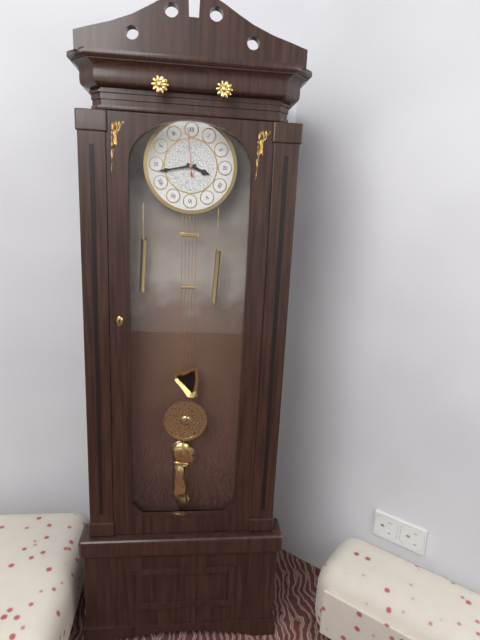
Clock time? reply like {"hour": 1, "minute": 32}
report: {"hour": 3, "minute": 43}
